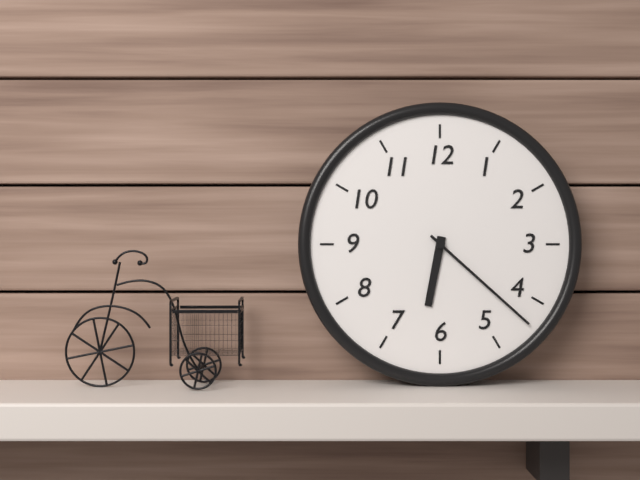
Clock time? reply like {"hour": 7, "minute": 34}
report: {"hour": 6, "minute": 22}
